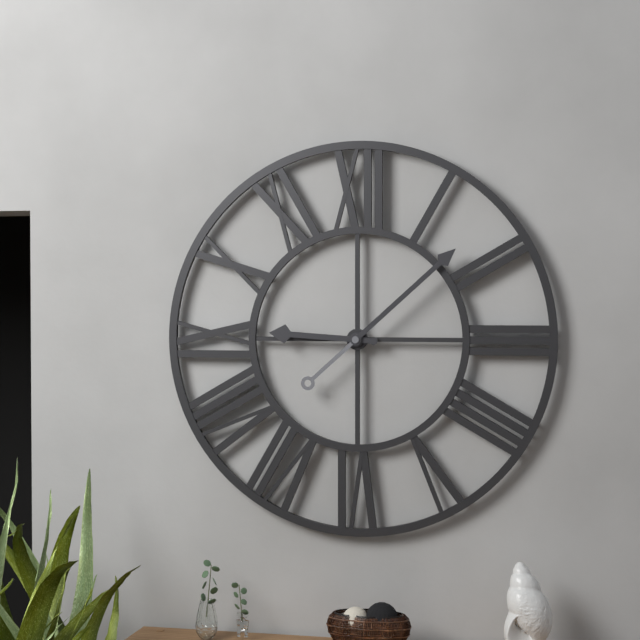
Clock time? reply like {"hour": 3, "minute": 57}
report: {"hour": 9, "minute": 8}
